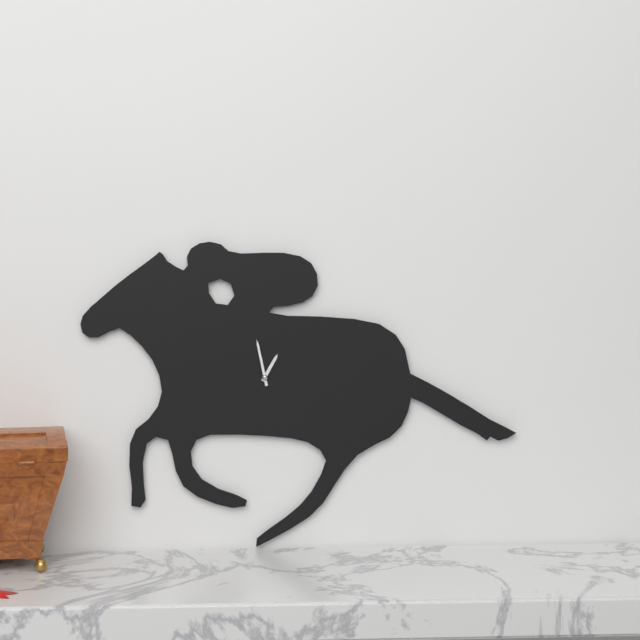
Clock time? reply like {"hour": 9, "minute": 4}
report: {"hour": 12, "minute": 58}
